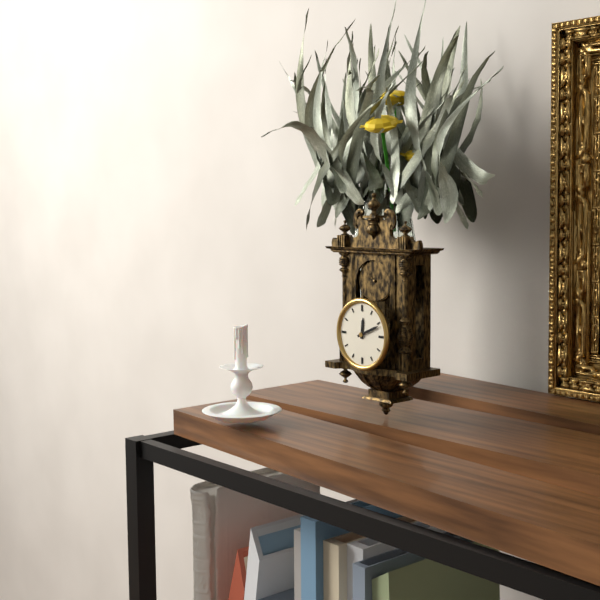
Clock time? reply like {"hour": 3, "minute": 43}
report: {"hour": 12, "minute": 11}
